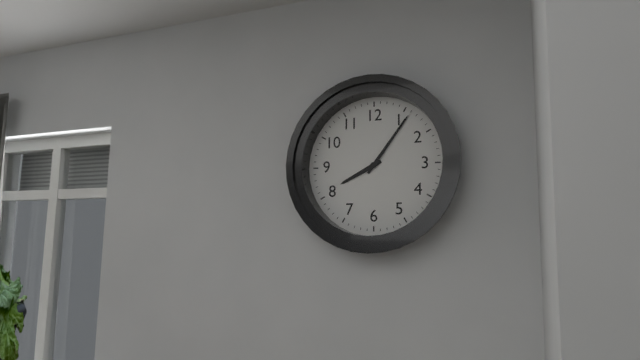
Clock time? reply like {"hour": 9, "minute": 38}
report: {"hour": 8, "minute": 6}
